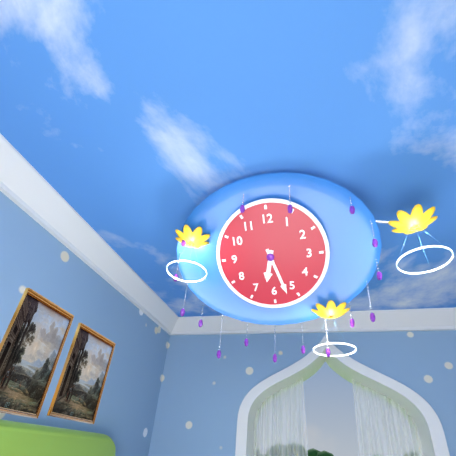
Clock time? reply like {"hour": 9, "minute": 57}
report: {"hour": 6, "minute": 27}
